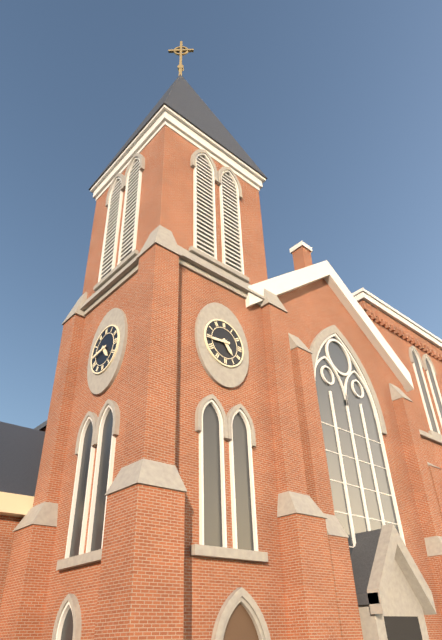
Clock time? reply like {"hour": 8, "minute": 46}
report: {"hour": 4, "minute": 44}
